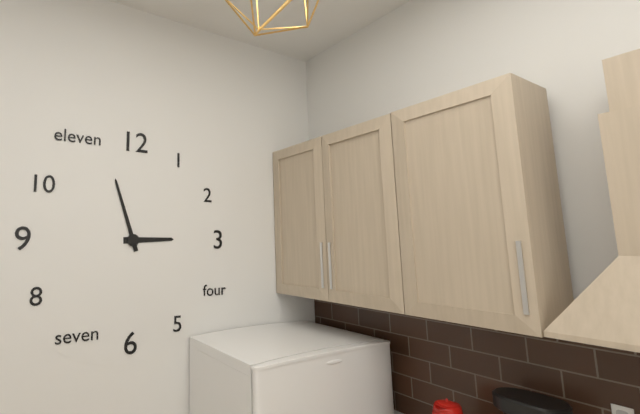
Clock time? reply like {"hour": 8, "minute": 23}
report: {"hour": 2, "minute": 57}
